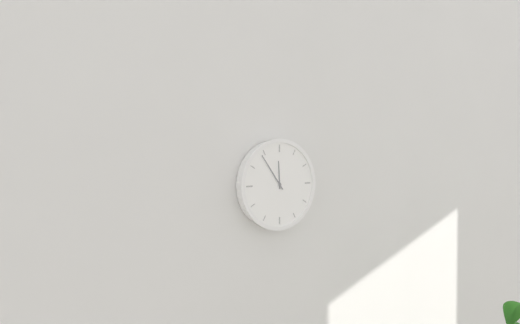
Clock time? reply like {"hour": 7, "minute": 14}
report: {"hour": 11, "minute": 54}
